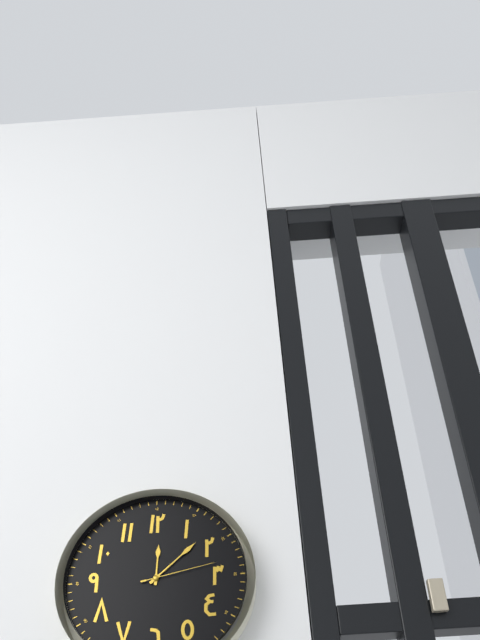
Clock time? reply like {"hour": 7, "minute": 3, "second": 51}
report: {"hour": 12, "minute": 8, "second": 13}
